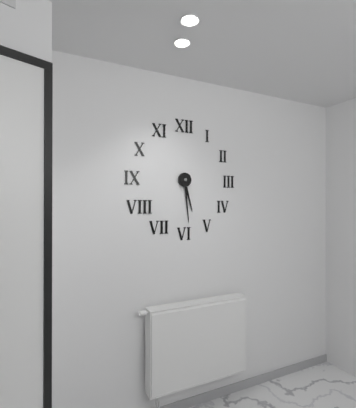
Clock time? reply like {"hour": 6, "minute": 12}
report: {"hour": 5, "minute": 29}
